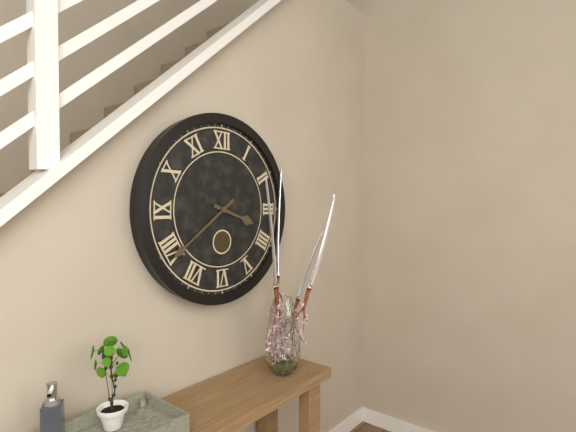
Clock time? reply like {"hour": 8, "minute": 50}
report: {"hour": 3, "minute": 39}
